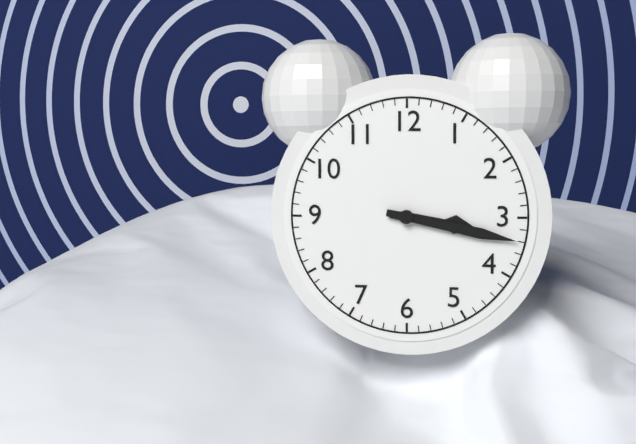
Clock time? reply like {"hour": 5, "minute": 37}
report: {"hour": 3, "minute": 17}
